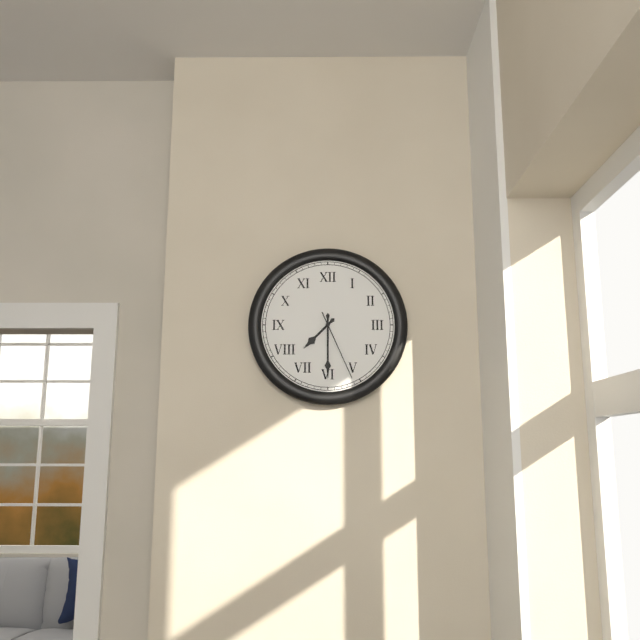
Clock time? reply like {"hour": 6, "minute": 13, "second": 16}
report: {"hour": 7, "minute": 30, "second": 26}
